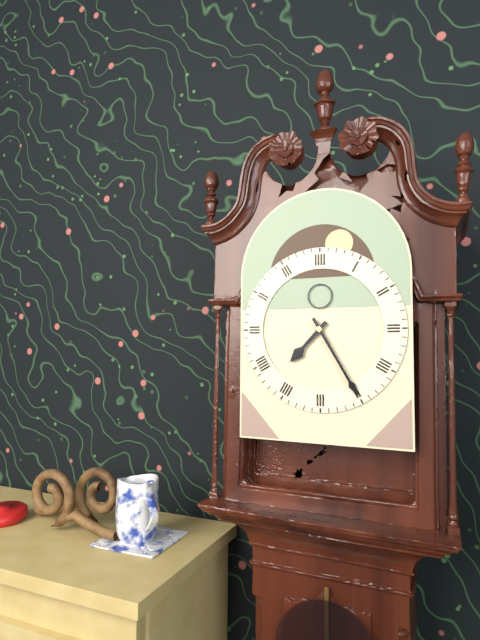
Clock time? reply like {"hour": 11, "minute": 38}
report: {"hour": 7, "minute": 25}
